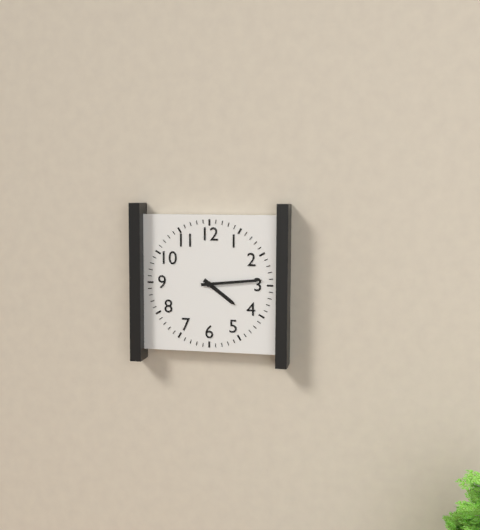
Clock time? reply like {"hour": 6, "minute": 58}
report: {"hour": 4, "minute": 14}
